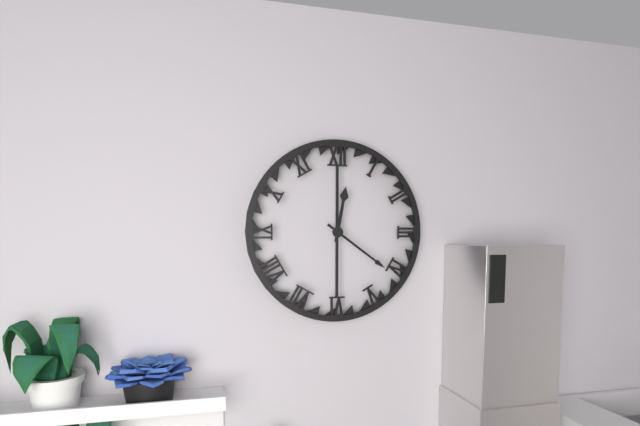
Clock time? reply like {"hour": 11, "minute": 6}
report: {"hour": 12, "minute": 21}
